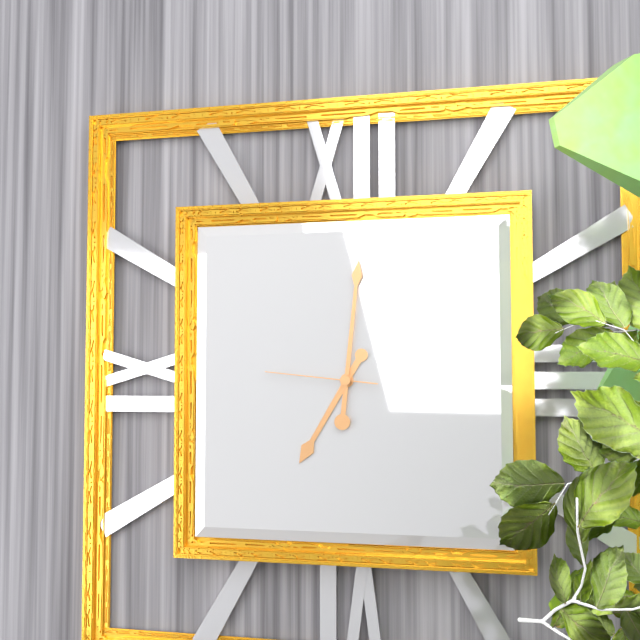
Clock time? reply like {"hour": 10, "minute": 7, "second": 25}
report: {"hour": 7, "minute": 1, "second": 46}
